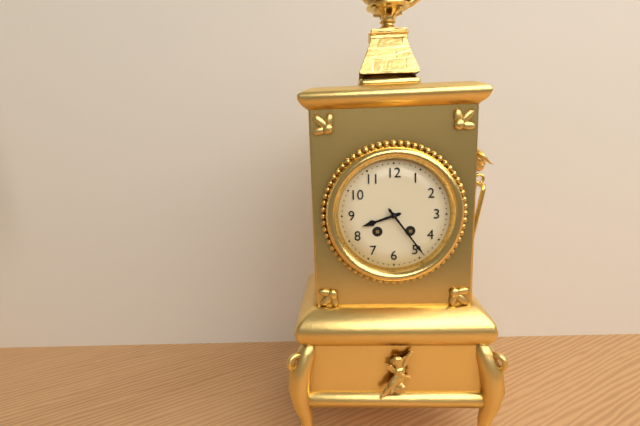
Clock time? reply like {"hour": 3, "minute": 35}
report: {"hour": 8, "minute": 24}
